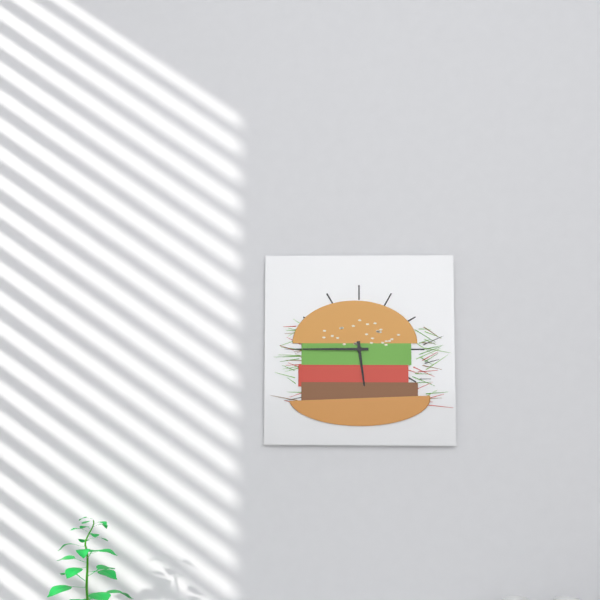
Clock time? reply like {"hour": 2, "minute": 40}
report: {"hour": 5, "minute": 45}
